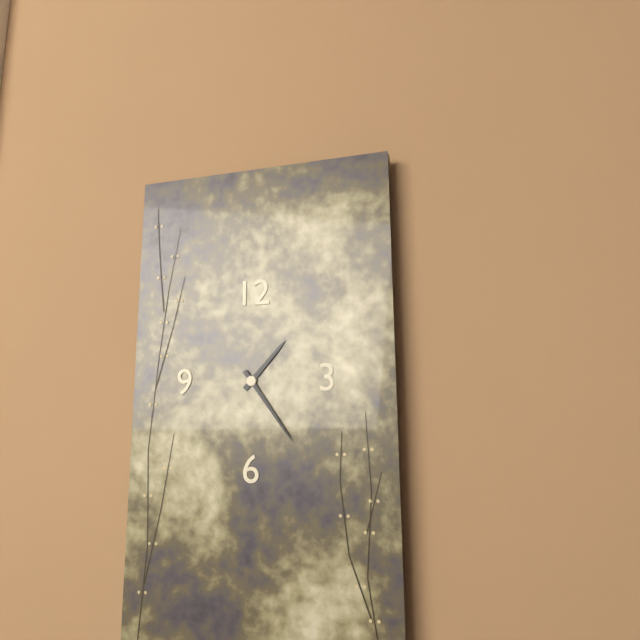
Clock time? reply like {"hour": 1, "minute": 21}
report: {"hour": 1, "minute": 24}
